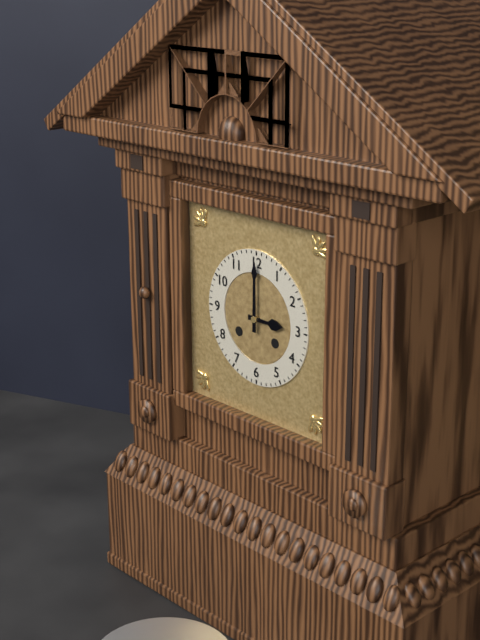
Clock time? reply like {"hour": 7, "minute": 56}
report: {"hour": 3, "minute": 0}
